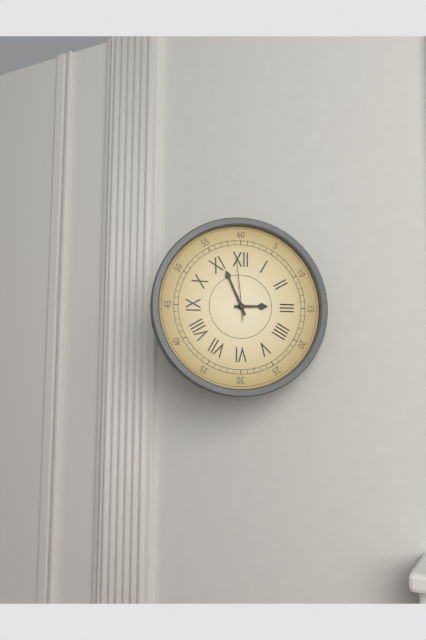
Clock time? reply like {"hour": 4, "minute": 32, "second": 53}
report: {"hour": 2, "minute": 56, "second": 59}
